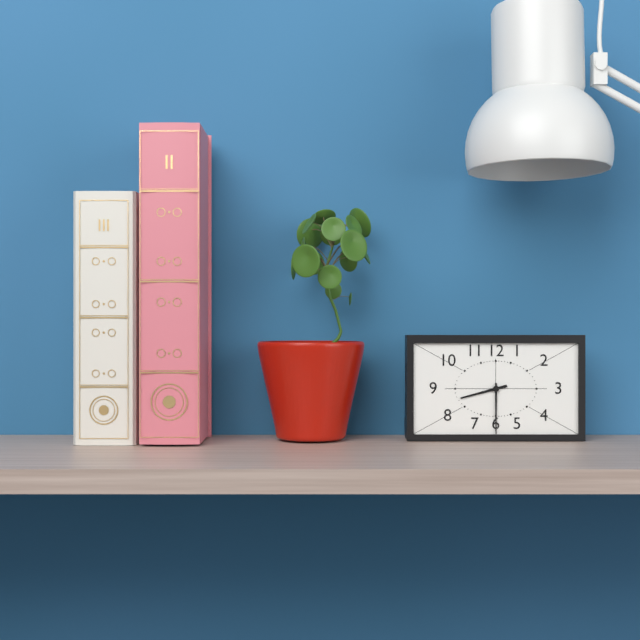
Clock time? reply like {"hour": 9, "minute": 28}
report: {"hour": 8, "minute": 30}
